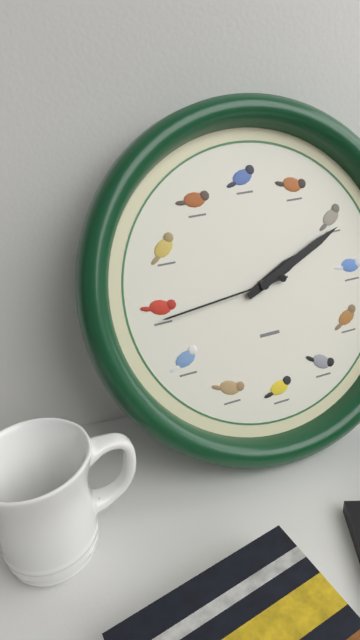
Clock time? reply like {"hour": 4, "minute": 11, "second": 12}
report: {"hour": 2, "minute": 11, "second": 44}
